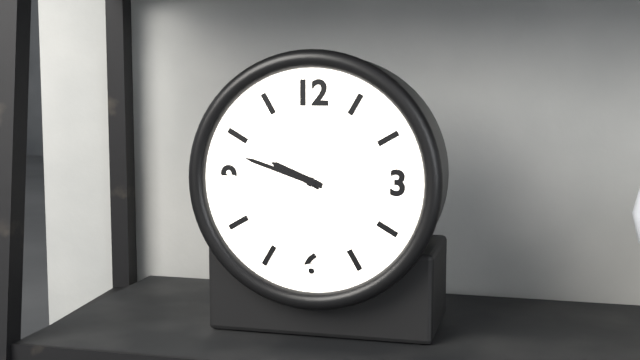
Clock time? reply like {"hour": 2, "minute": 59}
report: {"hour": 9, "minute": 48}
